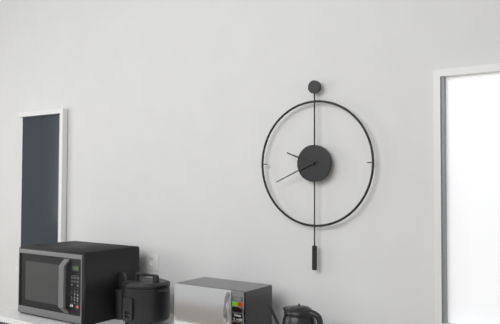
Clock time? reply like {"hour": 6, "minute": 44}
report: {"hour": 9, "minute": 41}
